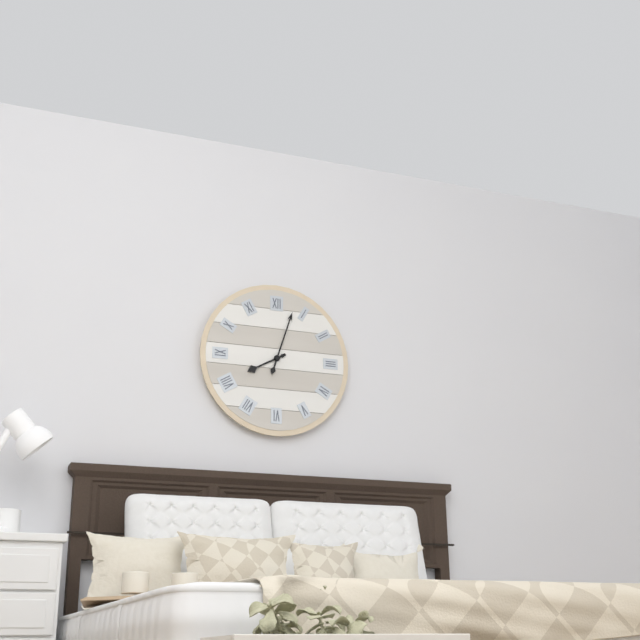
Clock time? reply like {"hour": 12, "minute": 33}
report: {"hour": 8, "minute": 3}
